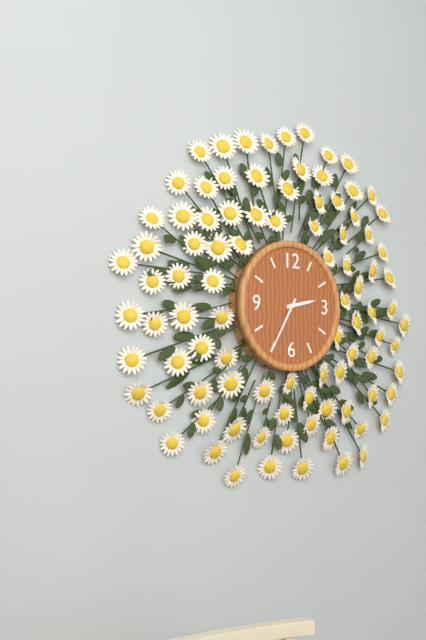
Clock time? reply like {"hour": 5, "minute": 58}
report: {"hour": 2, "minute": 35}
